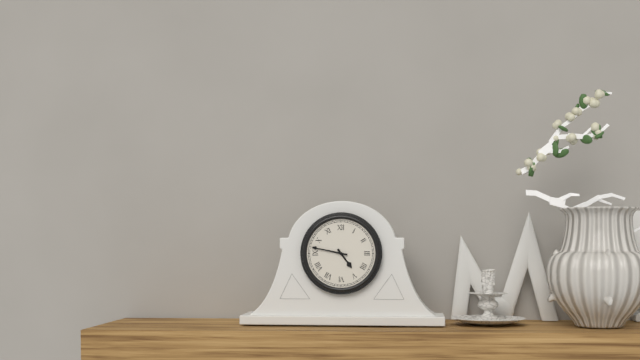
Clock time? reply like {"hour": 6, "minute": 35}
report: {"hour": 4, "minute": 47}
